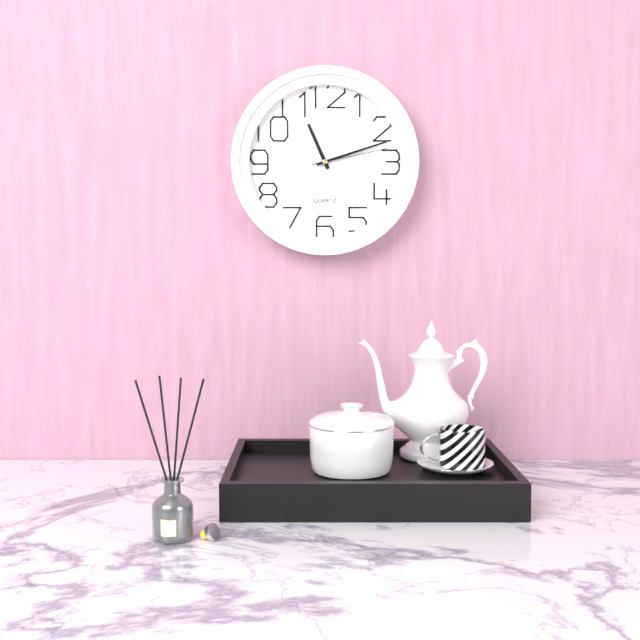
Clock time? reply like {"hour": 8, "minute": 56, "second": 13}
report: {"hour": 11, "minute": 12, "second": 13}
